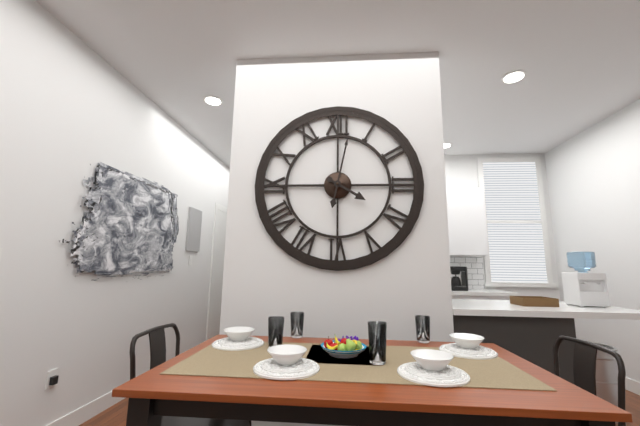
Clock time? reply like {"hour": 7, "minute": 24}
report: {"hour": 4, "minute": 2}
